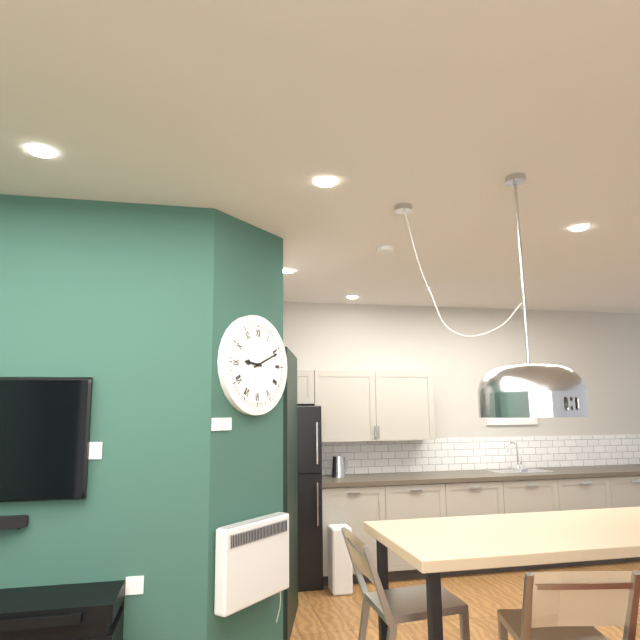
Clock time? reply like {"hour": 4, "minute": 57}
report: {"hour": 9, "minute": 11}
